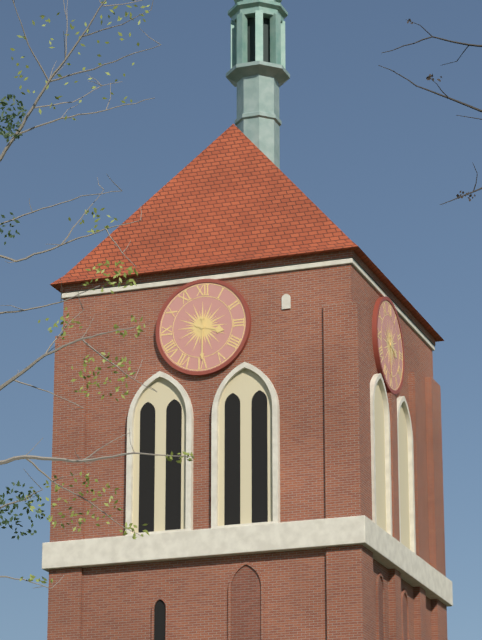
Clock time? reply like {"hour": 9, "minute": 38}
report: {"hour": 3, "minute": 30}
